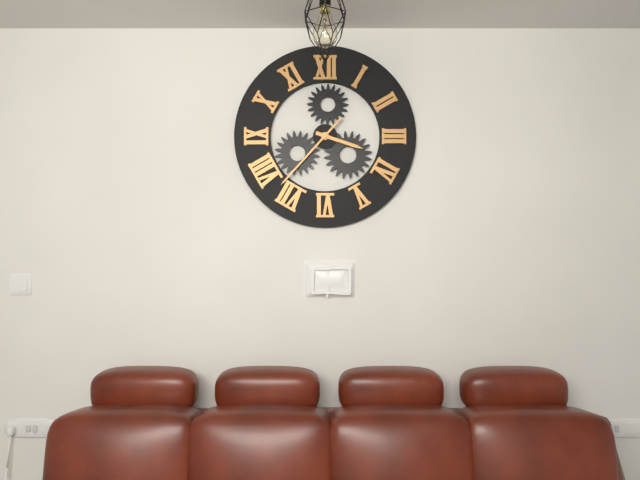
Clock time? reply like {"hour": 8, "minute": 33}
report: {"hour": 3, "minute": 37}
